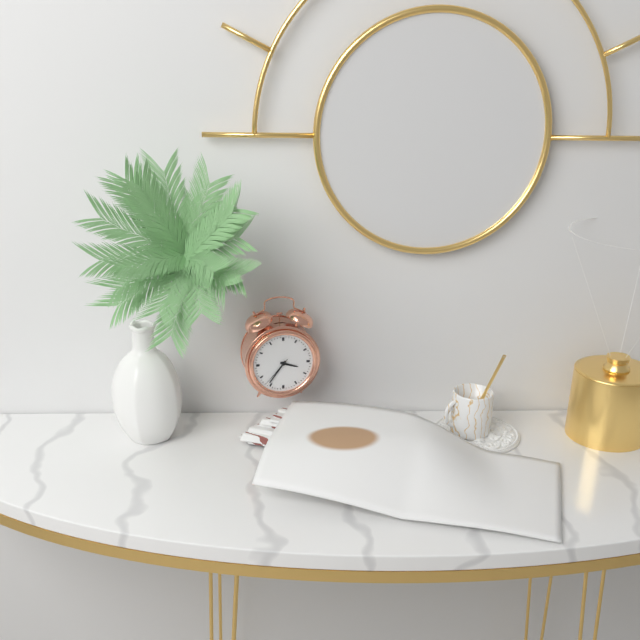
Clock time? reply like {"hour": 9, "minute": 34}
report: {"hour": 3, "minute": 36}
